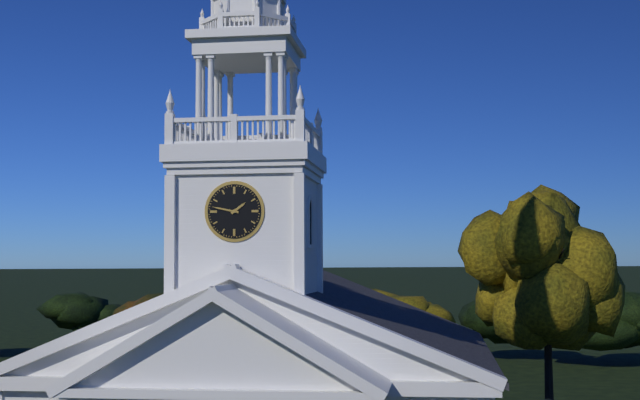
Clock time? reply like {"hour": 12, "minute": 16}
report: {"hour": 1, "minute": 47}
